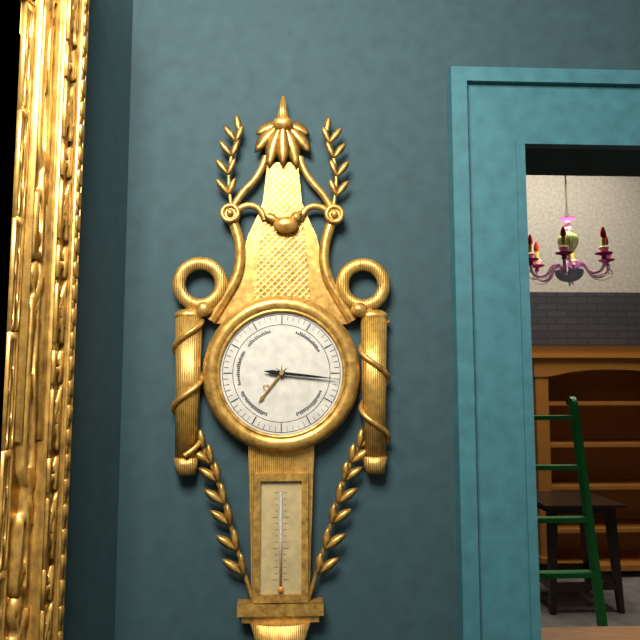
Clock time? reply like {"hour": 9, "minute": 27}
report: {"hour": 7, "minute": 16}
